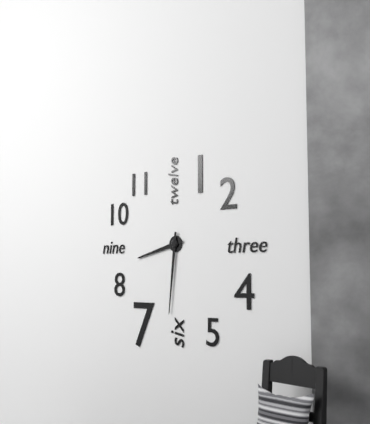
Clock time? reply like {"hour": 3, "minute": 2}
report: {"hour": 8, "minute": 31}
